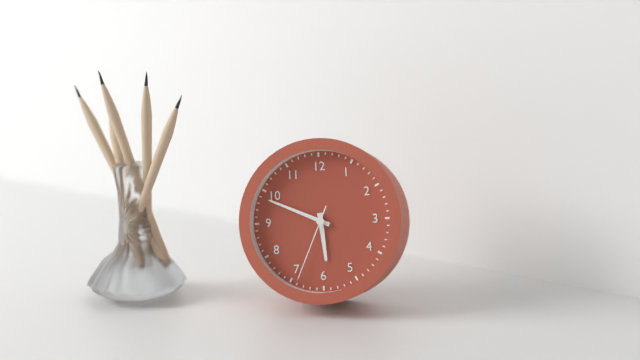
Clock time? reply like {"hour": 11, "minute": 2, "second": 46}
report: {"hour": 5, "minute": 49, "second": 34}
